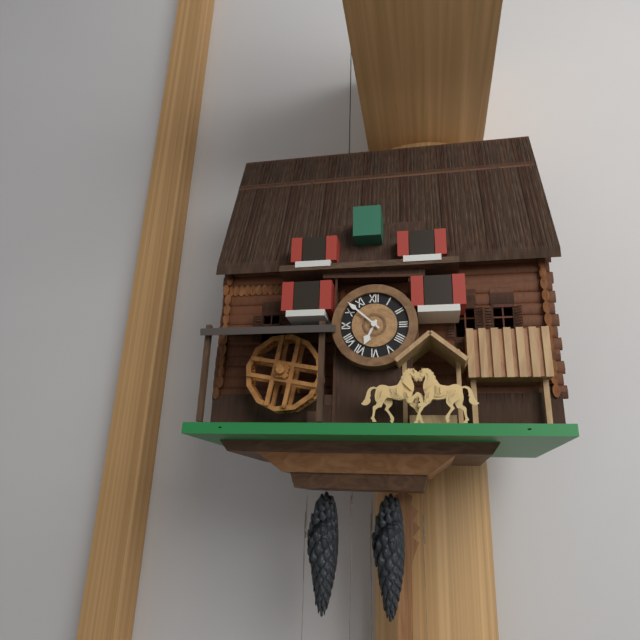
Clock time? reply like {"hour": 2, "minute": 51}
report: {"hour": 6, "minute": 52}
